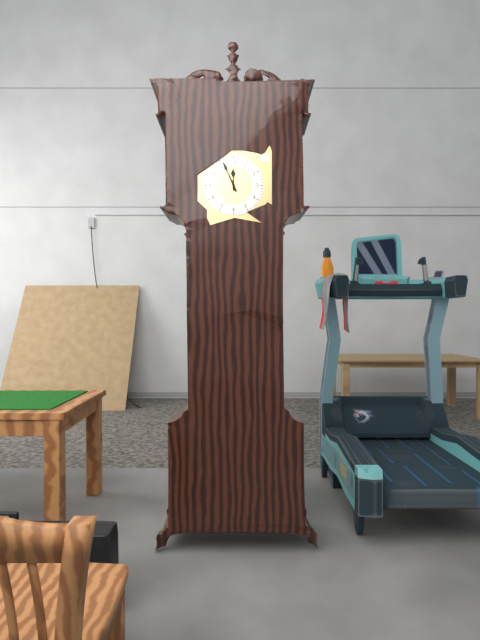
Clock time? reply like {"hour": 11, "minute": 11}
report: {"hour": 11, "minute": 56}
